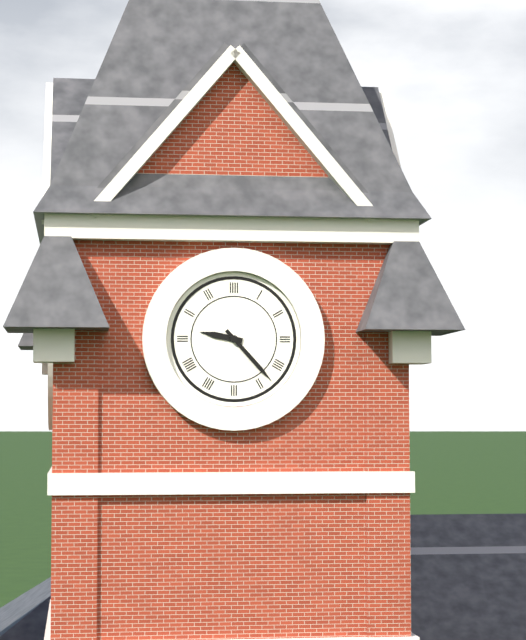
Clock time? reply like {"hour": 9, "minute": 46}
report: {"hour": 9, "minute": 23}
